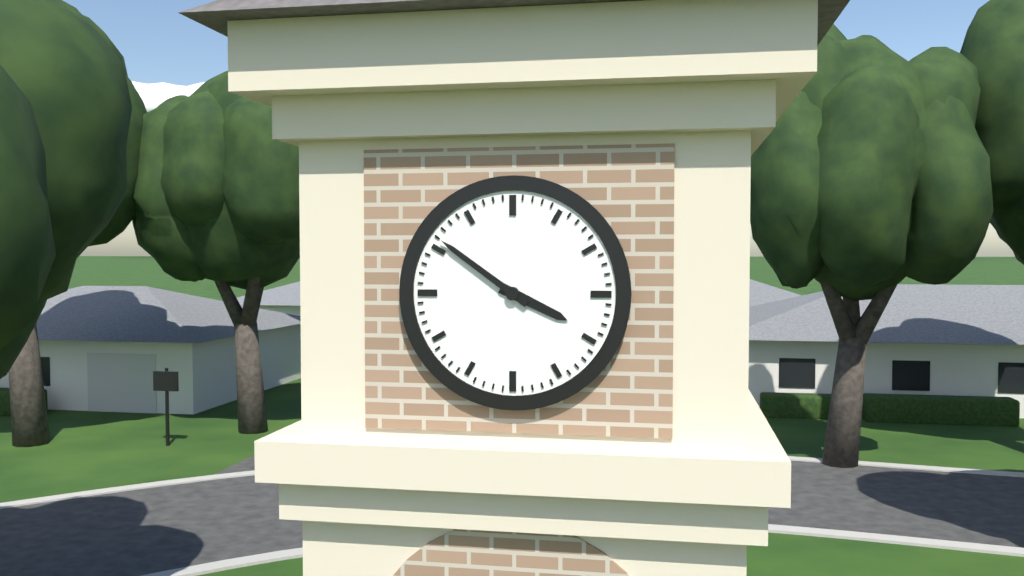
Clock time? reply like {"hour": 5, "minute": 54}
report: {"hour": 3, "minute": 51}
